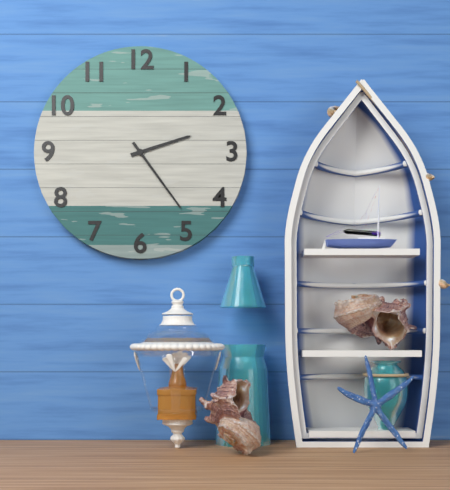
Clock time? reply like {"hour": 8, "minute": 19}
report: {"hour": 2, "minute": 24}
